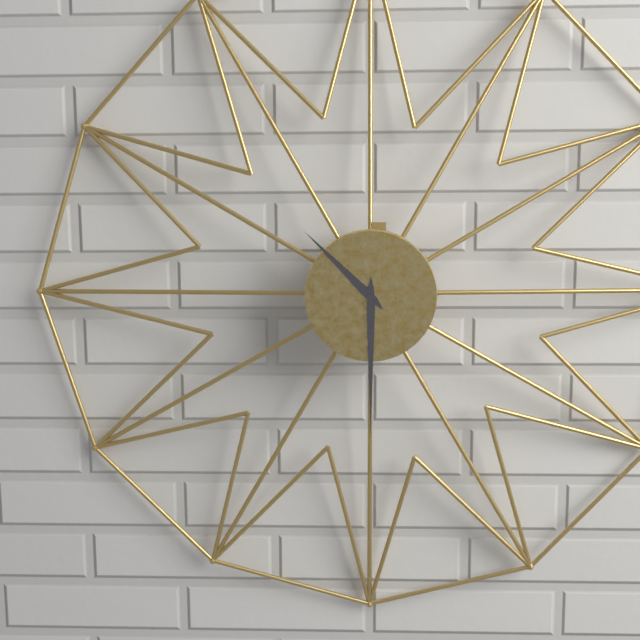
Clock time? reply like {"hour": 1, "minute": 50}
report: {"hour": 10, "minute": 30}
